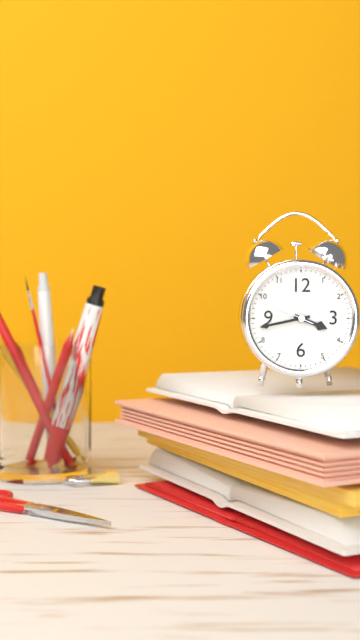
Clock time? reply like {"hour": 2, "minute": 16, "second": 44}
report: {"hour": 3, "minute": 43, "second": 49}
